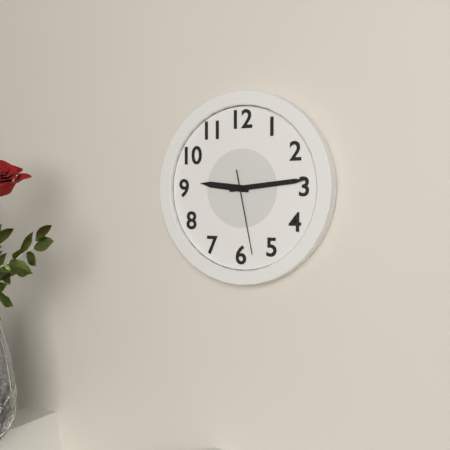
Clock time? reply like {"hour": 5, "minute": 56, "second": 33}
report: {"hour": 9, "minute": 14, "second": 28}
